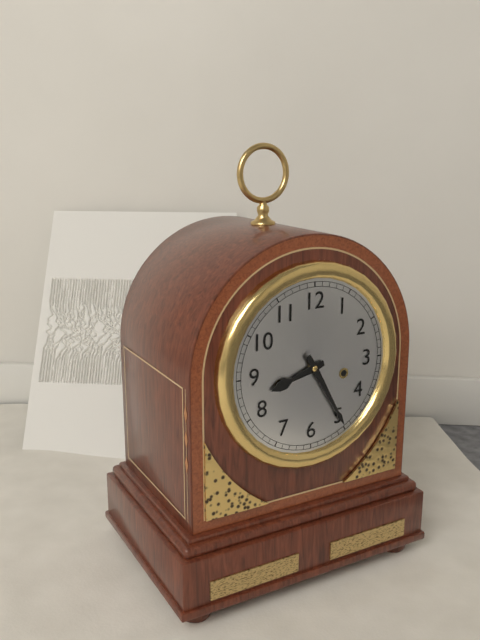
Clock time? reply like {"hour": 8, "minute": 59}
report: {"hour": 8, "minute": 25}
